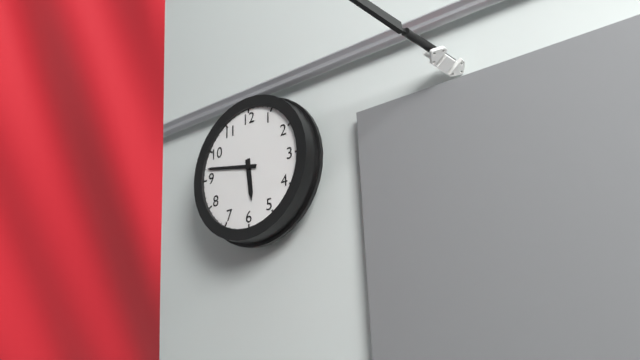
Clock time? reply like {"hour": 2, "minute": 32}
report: {"hour": 5, "minute": 47}
